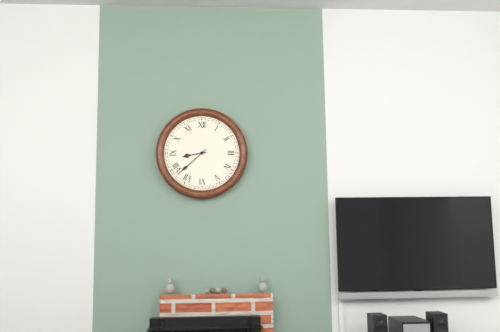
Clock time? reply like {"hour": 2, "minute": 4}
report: {"hour": 8, "minute": 38}
